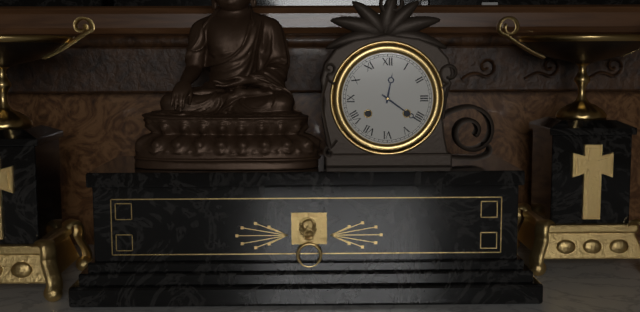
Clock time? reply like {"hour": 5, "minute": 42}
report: {"hour": 12, "minute": 21}
